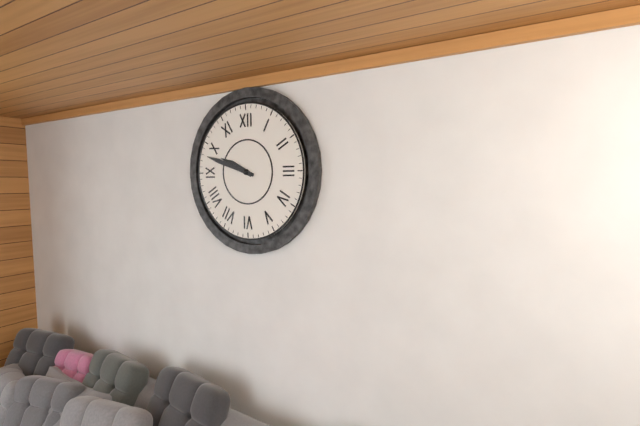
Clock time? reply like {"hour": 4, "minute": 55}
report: {"hour": 9, "minute": 48}
